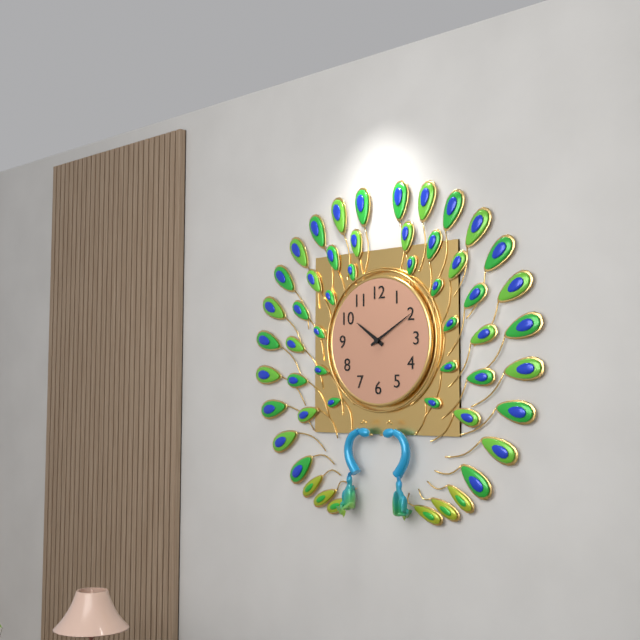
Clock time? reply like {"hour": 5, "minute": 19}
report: {"hour": 10, "minute": 10}
